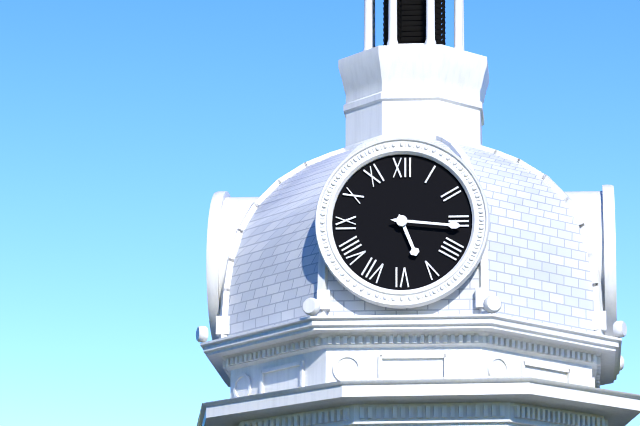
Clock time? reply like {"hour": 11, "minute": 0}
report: {"hour": 5, "minute": 16}
